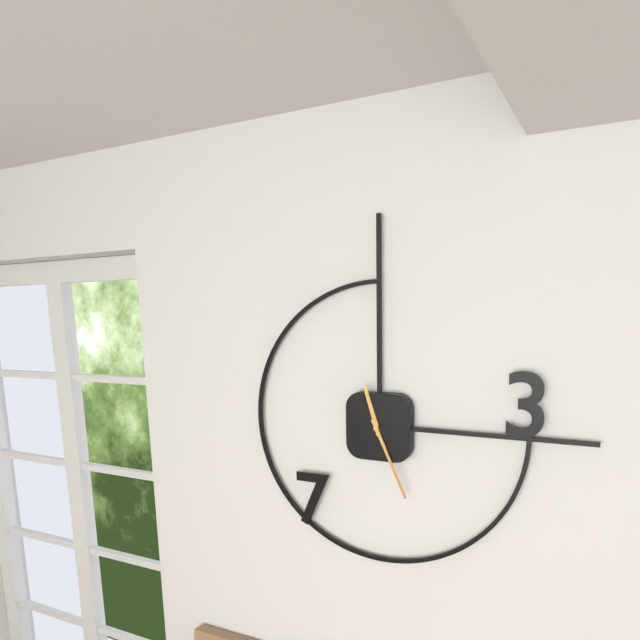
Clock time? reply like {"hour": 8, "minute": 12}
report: {"hour": 11, "minute": 26}
